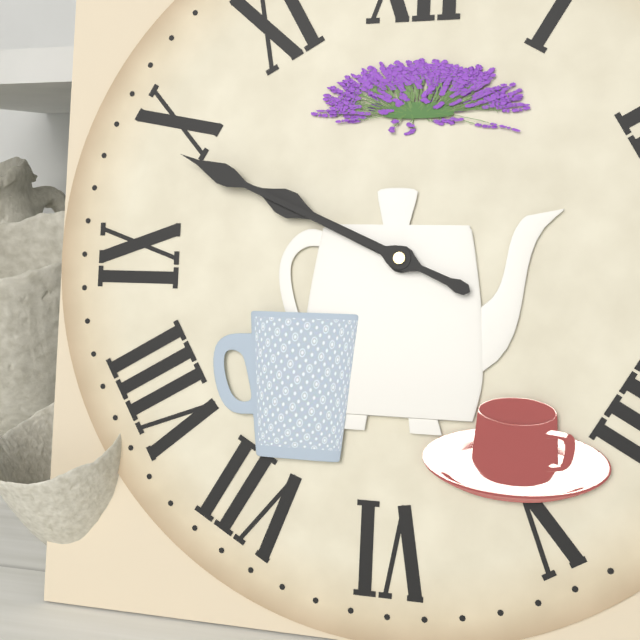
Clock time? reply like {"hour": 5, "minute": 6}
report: {"hour": 9, "minute": 49}
